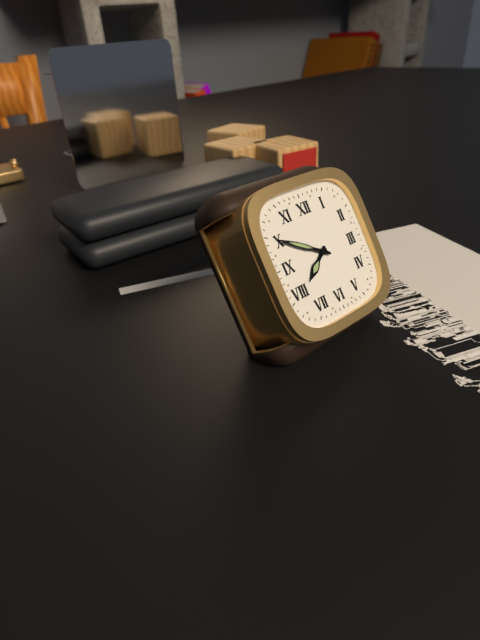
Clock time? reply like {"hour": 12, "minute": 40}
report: {"hour": 7, "minute": 50}
